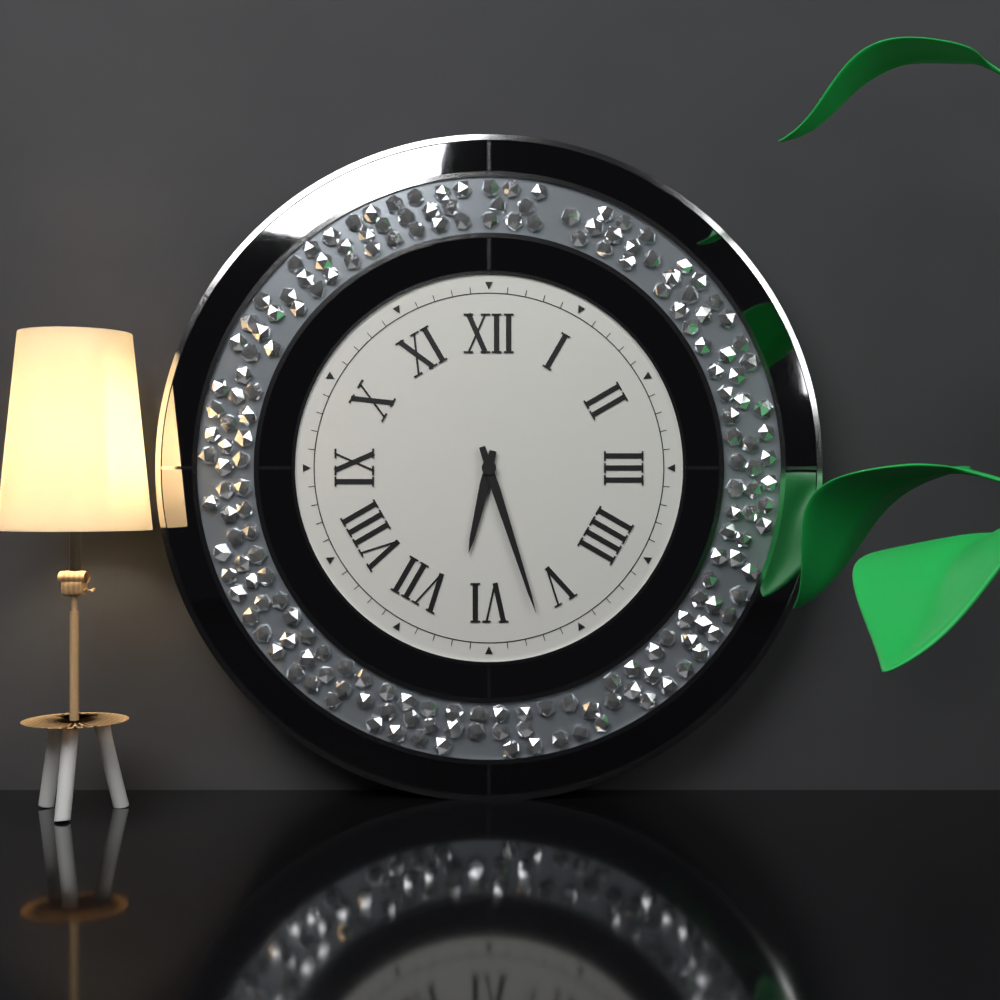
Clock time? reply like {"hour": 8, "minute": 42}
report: {"hour": 6, "minute": 27}
